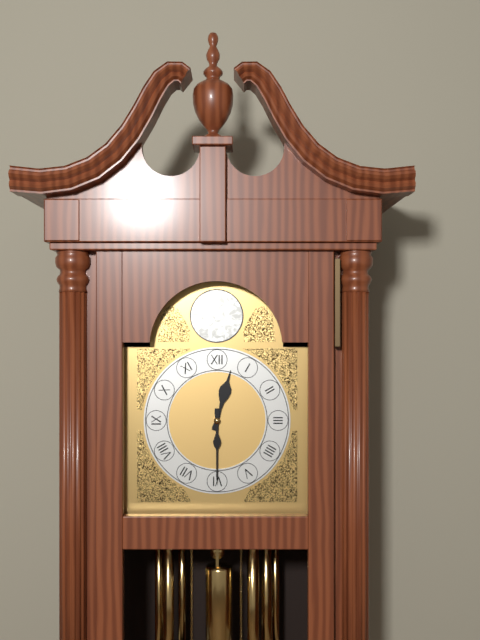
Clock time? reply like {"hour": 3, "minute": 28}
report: {"hour": 12, "minute": 30}
